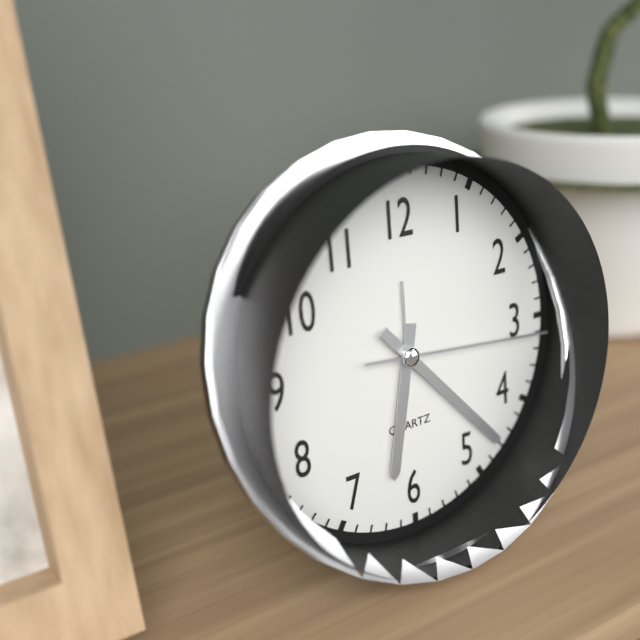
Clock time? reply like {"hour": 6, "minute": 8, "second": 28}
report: {"hour": 6, "minute": 23, "second": 16}
